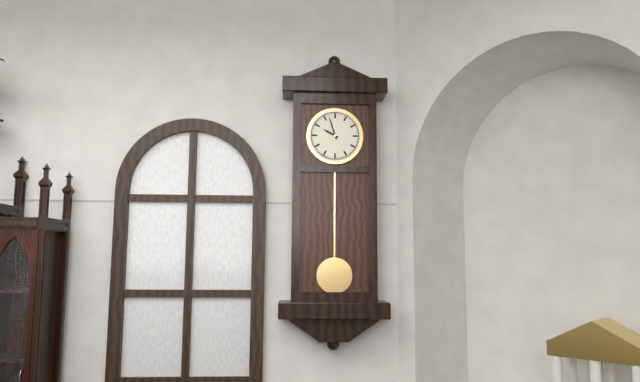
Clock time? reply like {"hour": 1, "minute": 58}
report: {"hour": 9, "minute": 57}
